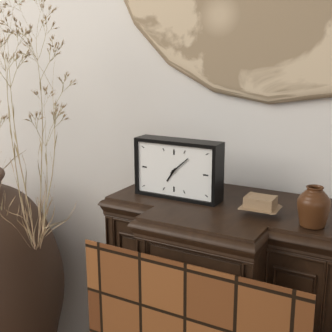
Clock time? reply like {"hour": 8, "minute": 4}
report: {"hour": 7, "minute": 8}
